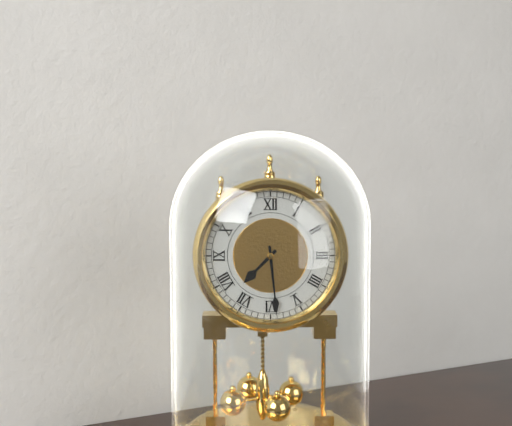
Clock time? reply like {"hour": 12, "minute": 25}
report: {"hour": 7, "minute": 29}
